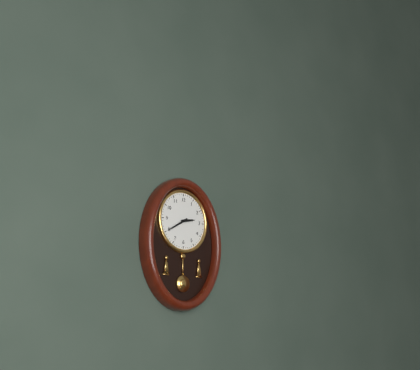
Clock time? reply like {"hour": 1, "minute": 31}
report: {"hour": 2, "minute": 40}
